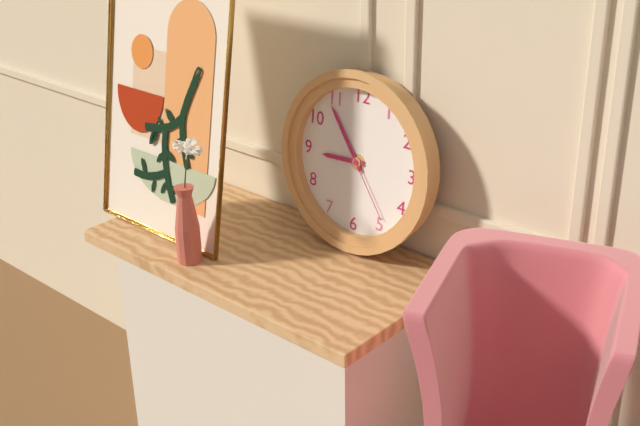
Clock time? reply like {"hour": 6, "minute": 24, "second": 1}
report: {"hour": 8, "minute": 54, "second": 24}
